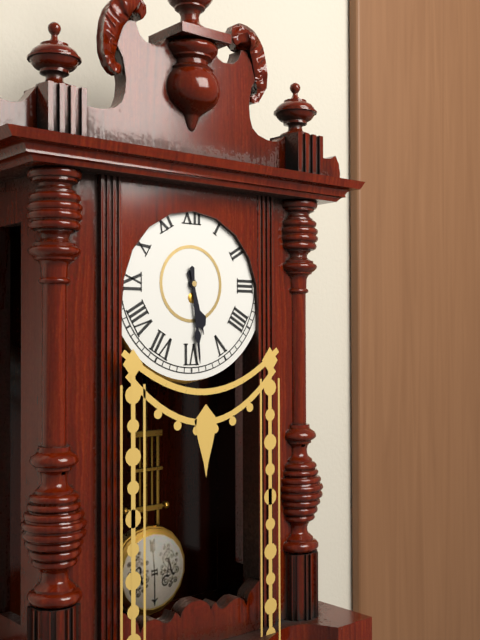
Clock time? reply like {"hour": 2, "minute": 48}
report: {"hour": 5, "minute": 29}
